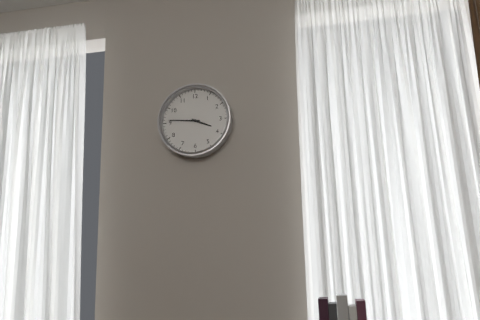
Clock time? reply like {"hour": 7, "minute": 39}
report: {"hour": 3, "minute": 46}
